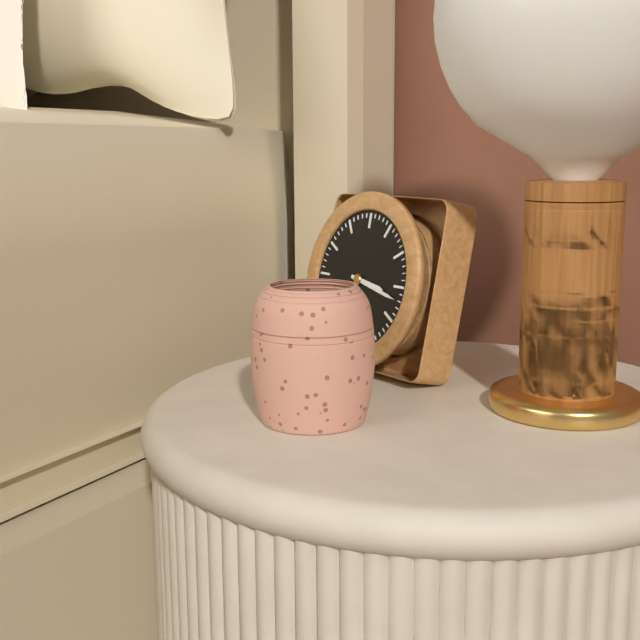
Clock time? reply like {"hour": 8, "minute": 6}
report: {"hour": 3, "minute": 17}
